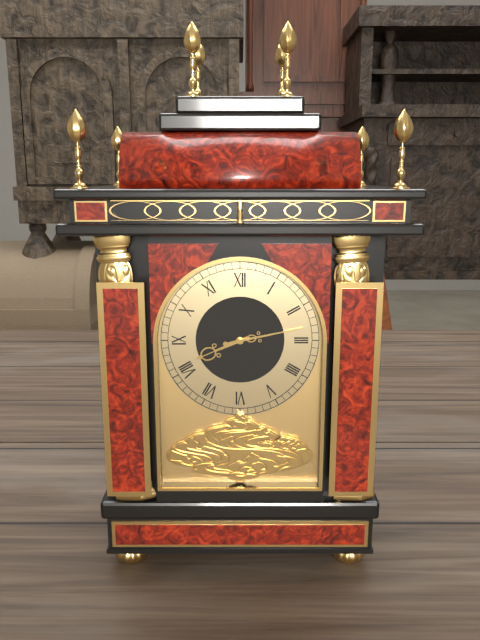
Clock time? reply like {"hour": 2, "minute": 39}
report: {"hour": 8, "minute": 13}
